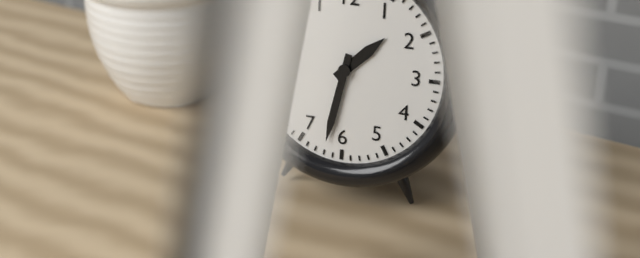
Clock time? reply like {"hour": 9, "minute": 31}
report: {"hour": 1, "minute": 32}
